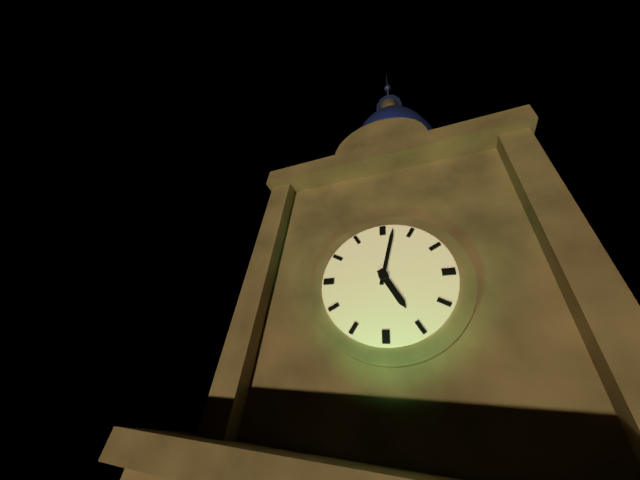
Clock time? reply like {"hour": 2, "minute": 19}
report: {"hour": 5, "minute": 2}
